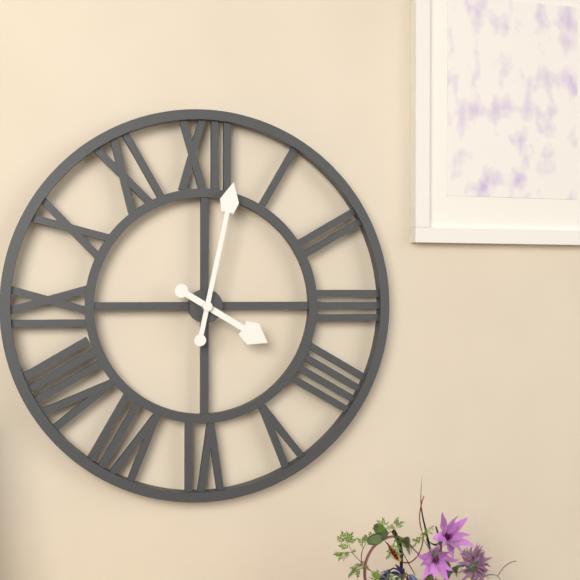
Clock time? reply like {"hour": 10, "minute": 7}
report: {"hour": 4, "minute": 2}
